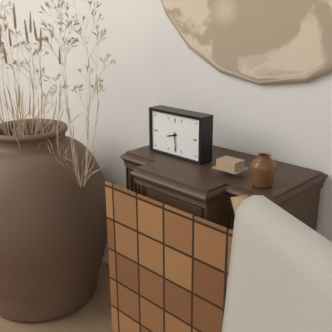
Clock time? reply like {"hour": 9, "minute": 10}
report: {"hour": 8, "minute": 29}
